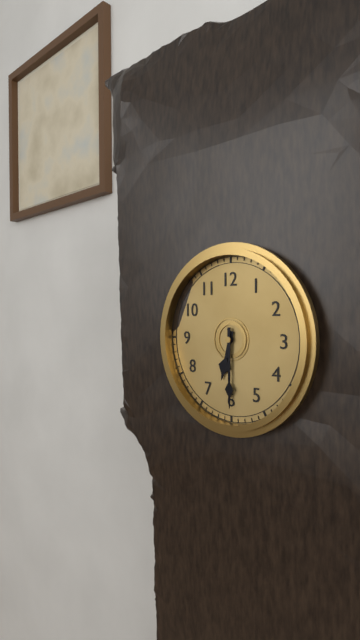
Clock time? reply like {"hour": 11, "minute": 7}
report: {"hour": 6, "minute": 30}
